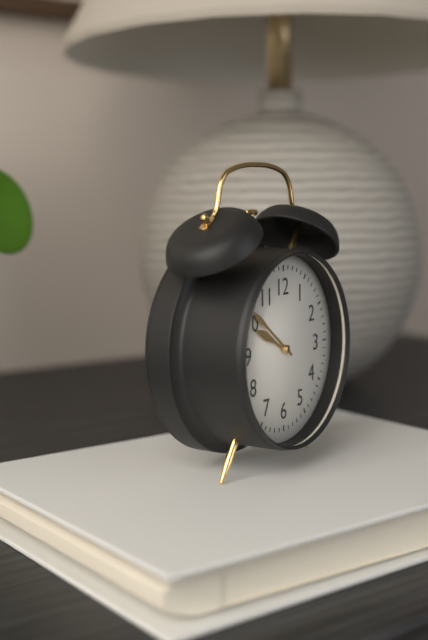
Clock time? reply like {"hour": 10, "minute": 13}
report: {"hour": 9, "minute": 51}
